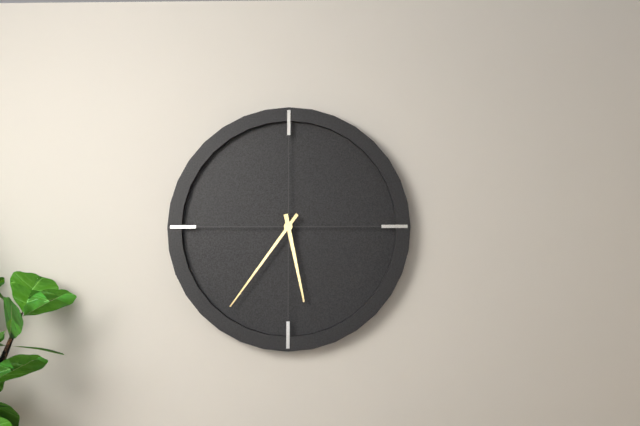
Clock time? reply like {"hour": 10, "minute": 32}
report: {"hour": 5, "minute": 36}
